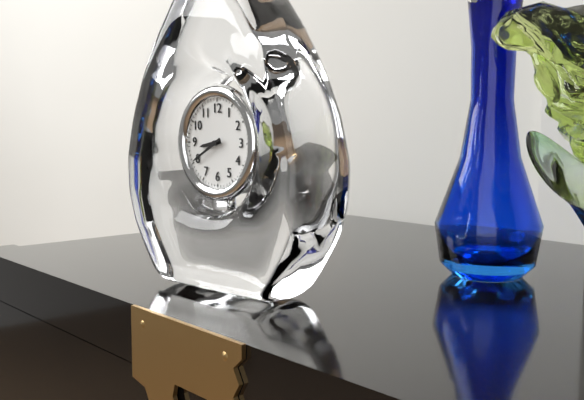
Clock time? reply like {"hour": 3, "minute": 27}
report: {"hour": 8, "minute": 40}
